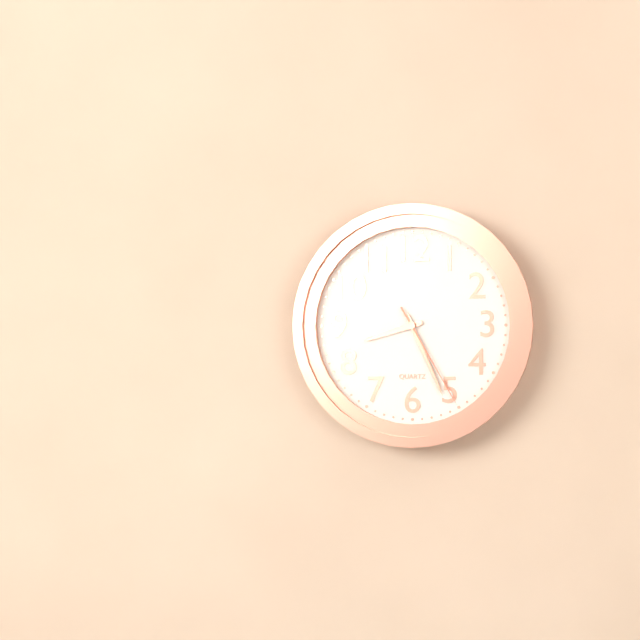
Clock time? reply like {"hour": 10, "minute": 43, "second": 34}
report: {"hour": 8, "minute": 26, "second": 25}
